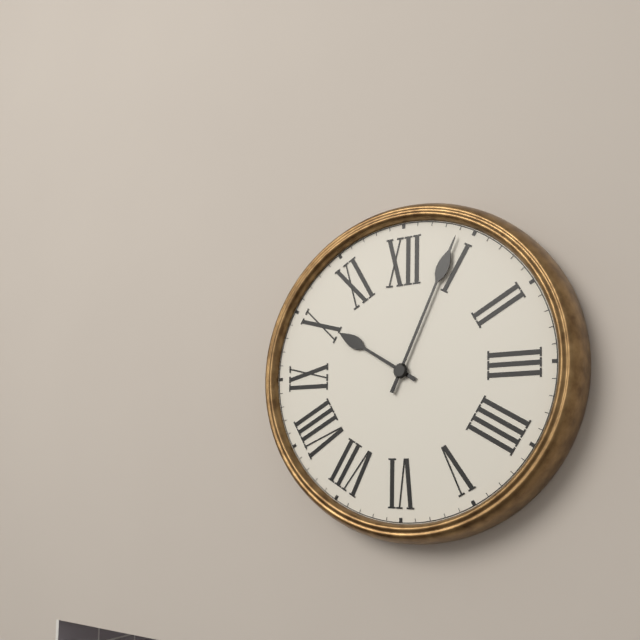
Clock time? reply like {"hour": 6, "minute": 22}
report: {"hour": 10, "minute": 4}
